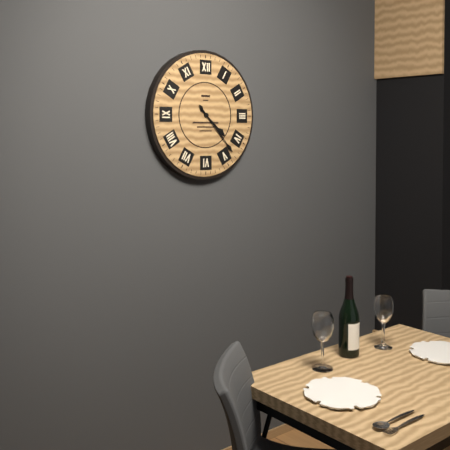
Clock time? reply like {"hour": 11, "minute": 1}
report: {"hour": 4, "minute": 23}
